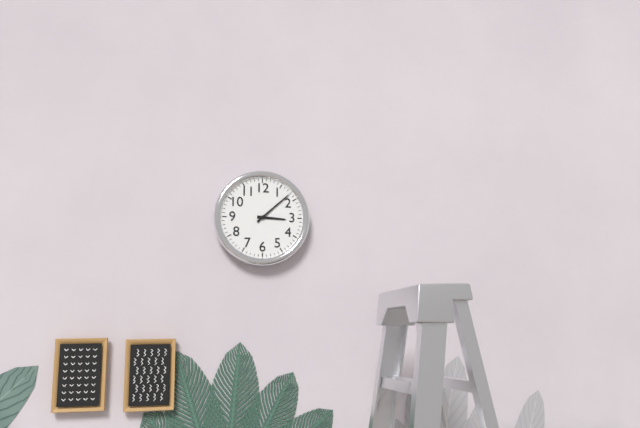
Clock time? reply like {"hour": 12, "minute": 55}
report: {"hour": 3, "minute": 8}
